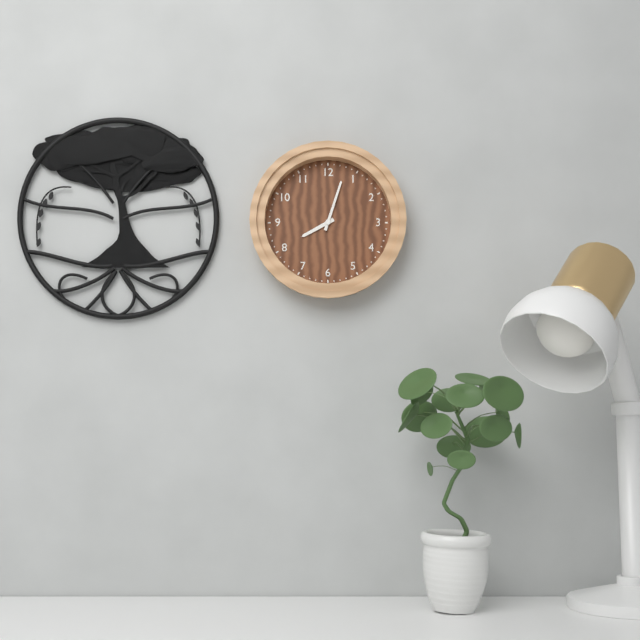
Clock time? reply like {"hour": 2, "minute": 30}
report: {"hour": 8, "minute": 3}
